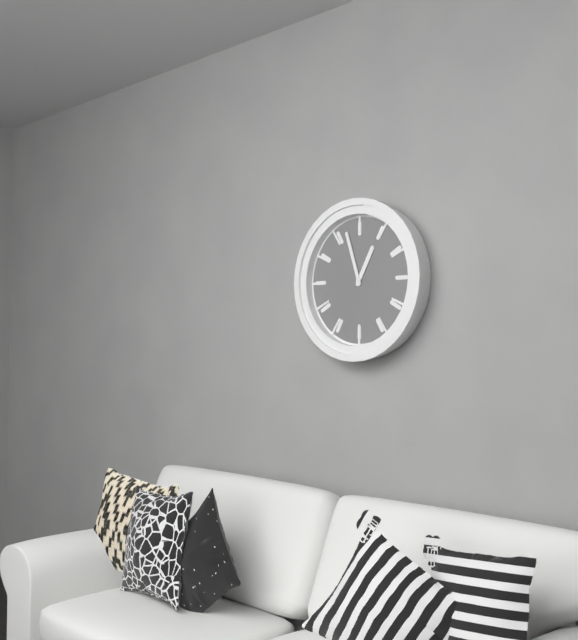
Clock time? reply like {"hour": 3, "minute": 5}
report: {"hour": 12, "minute": 57}
